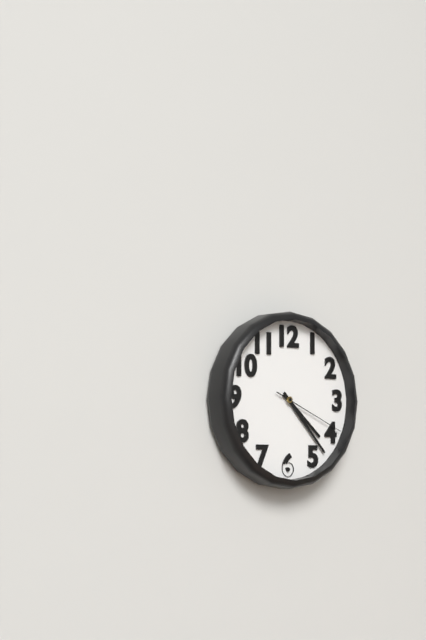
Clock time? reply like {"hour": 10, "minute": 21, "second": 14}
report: {"hour": 4, "minute": 23, "second": 19}
